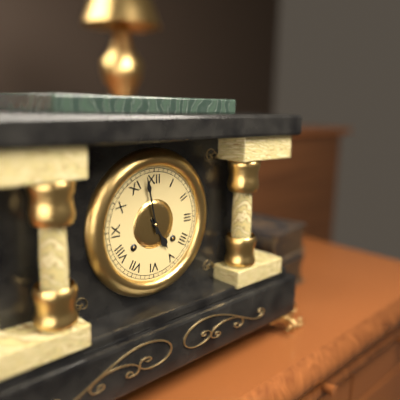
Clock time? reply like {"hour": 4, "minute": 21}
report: {"hour": 4, "minute": 58}
